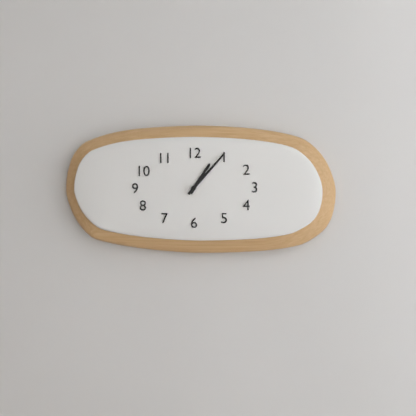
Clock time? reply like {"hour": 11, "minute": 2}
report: {"hour": 1, "minute": 7}
